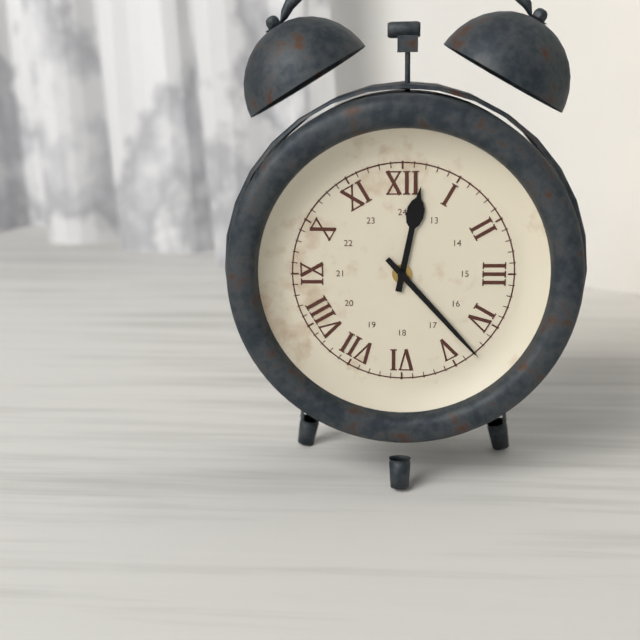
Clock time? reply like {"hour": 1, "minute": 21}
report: {"hour": 12, "minute": 23}
